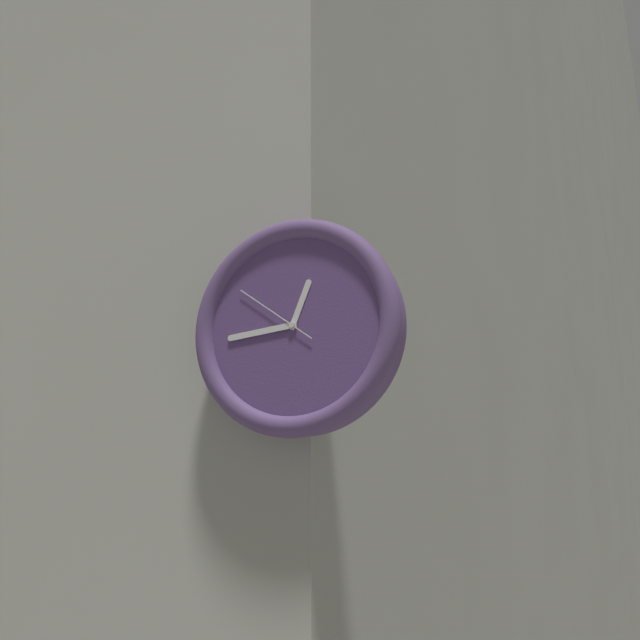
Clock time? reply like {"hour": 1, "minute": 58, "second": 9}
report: {"hour": 12, "minute": 44, "second": 51}
